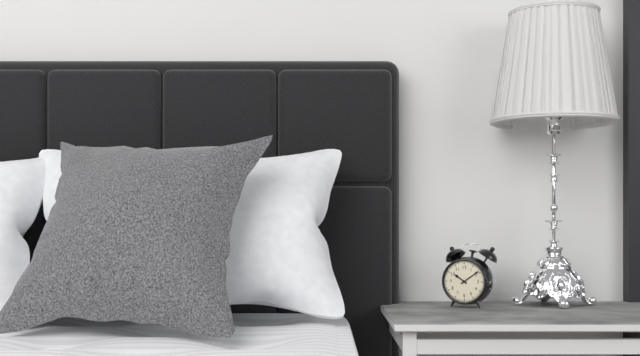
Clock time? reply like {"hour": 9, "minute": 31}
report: {"hour": 10, "minute": 9}
